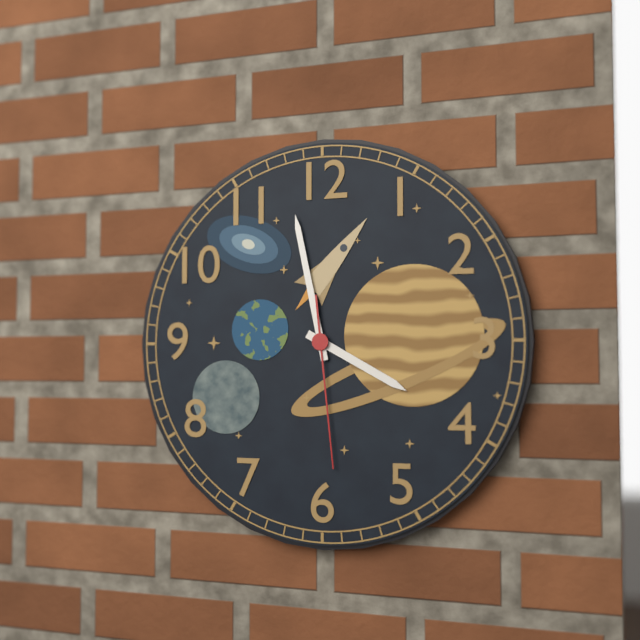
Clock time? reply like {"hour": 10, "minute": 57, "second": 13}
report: {"hour": 3, "minute": 58, "second": 29}
